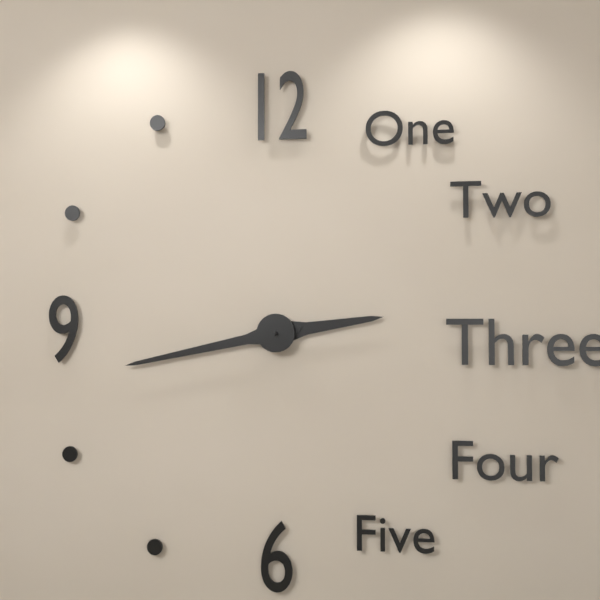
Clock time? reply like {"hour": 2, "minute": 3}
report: {"hour": 2, "minute": 43}
